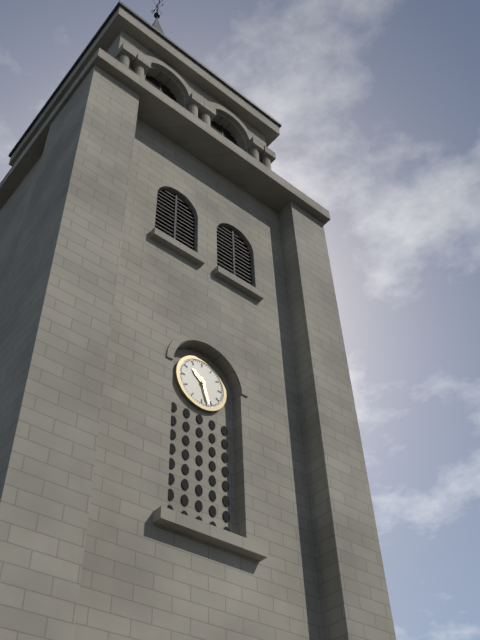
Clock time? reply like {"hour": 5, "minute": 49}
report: {"hour": 10, "minute": 27}
